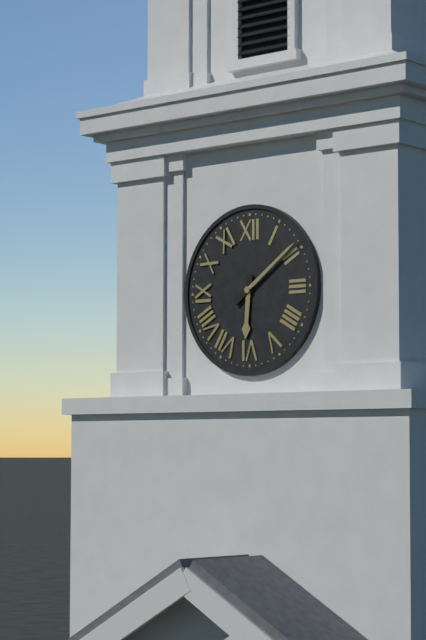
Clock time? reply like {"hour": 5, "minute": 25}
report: {"hour": 6, "minute": 9}
